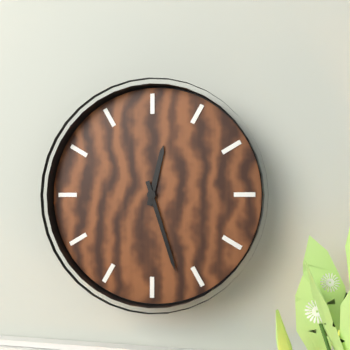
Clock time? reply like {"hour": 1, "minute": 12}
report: {"hour": 12, "minute": 27}
